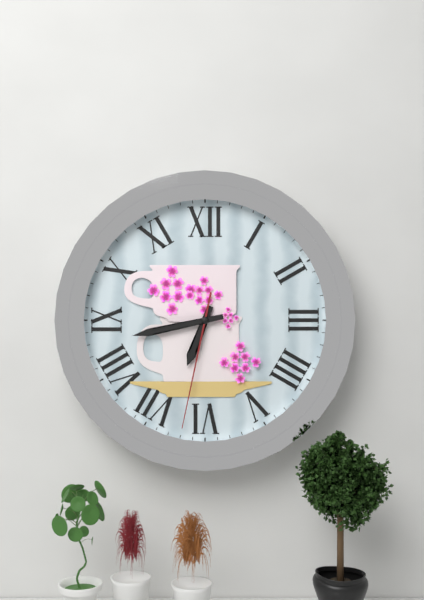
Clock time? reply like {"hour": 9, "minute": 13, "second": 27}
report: {"hour": 6, "minute": 43, "second": 32}
